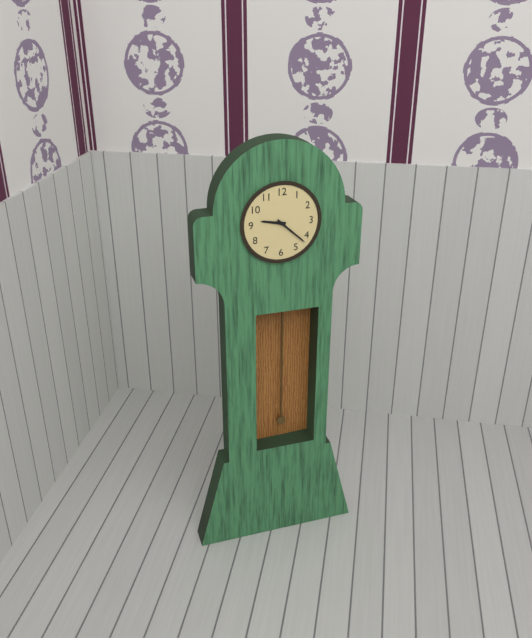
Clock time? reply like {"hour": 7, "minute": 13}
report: {"hour": 9, "minute": 22}
